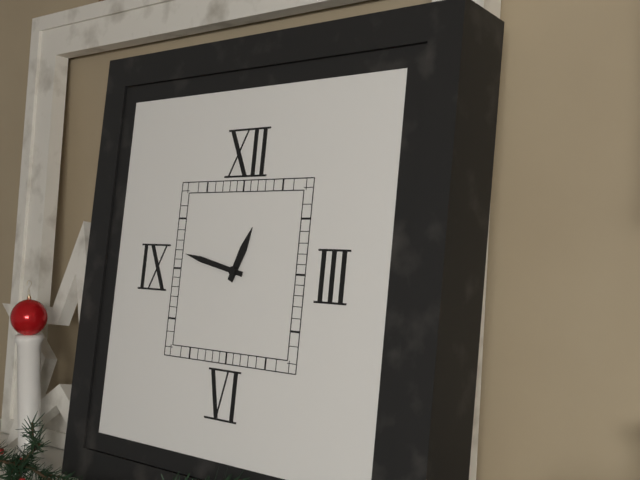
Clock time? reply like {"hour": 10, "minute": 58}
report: {"hour": 12, "minute": 47}
